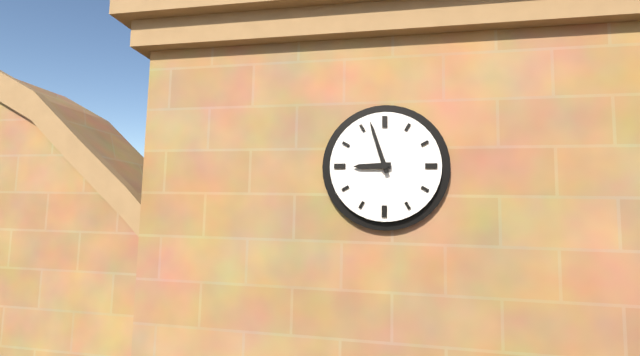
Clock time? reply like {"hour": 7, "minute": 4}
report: {"hour": 8, "minute": 57}
